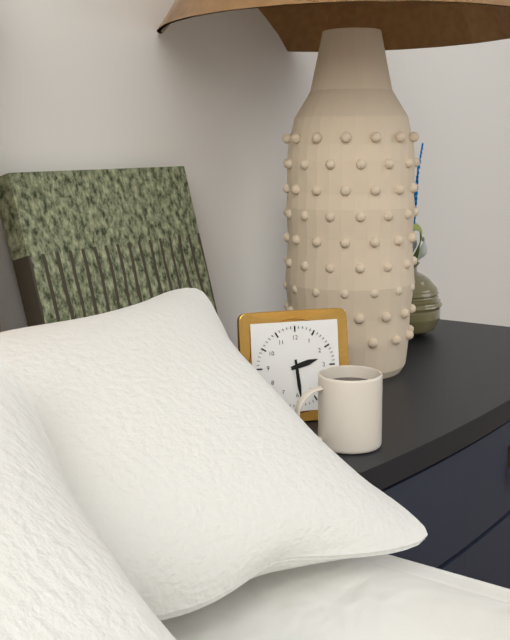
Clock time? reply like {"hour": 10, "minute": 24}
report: {"hour": 2, "minute": 29}
